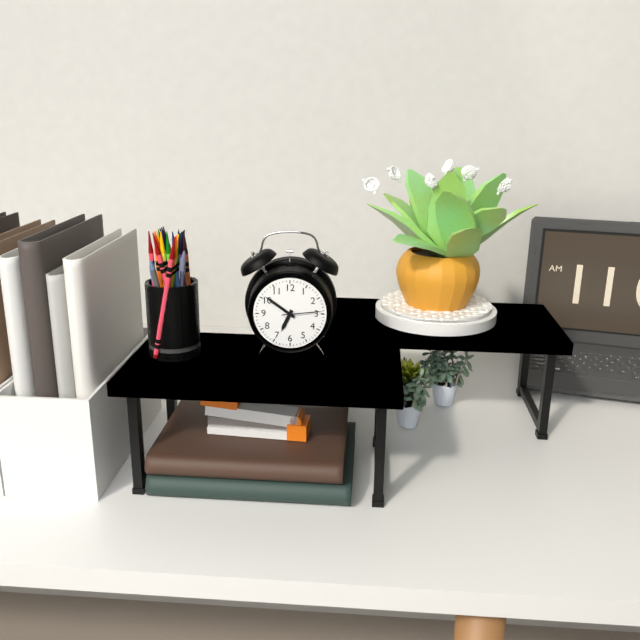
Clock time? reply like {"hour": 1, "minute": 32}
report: {"hour": 6, "minute": 51}
